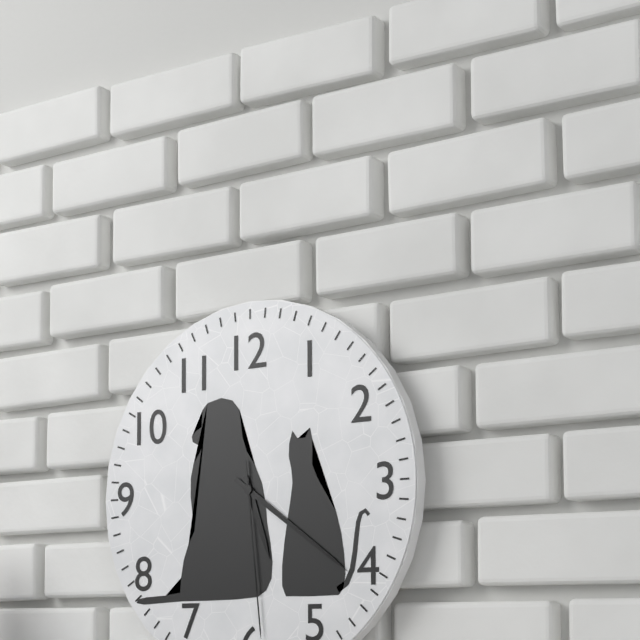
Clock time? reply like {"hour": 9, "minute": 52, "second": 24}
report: {"hour": 5, "minute": 21, "second": 29}
